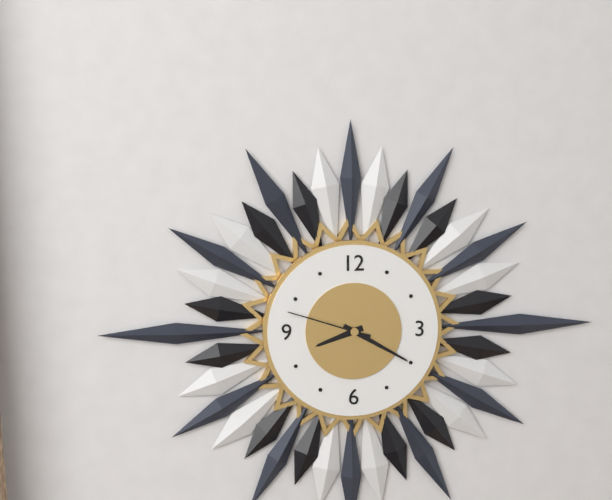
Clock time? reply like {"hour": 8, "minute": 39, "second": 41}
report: {"hour": 8, "minute": 20, "second": 48}
